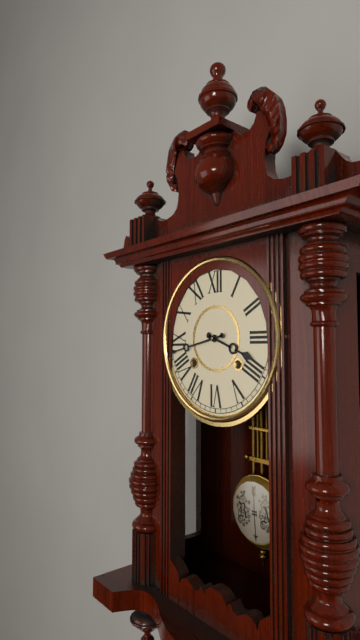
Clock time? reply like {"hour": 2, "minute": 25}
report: {"hour": 3, "minute": 43}
